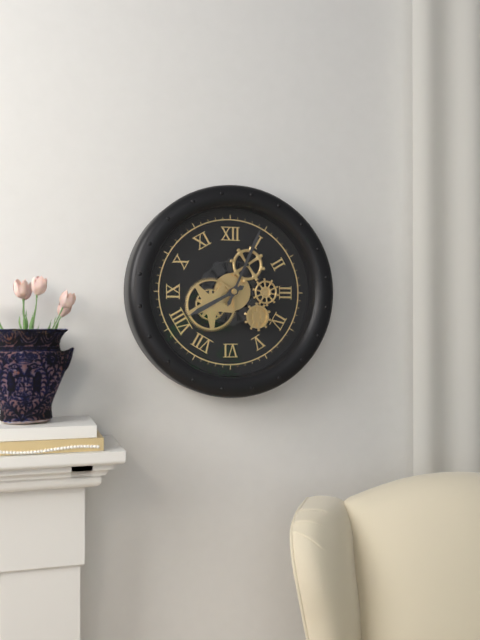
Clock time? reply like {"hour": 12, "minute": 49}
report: {"hour": 8, "minute": 4}
